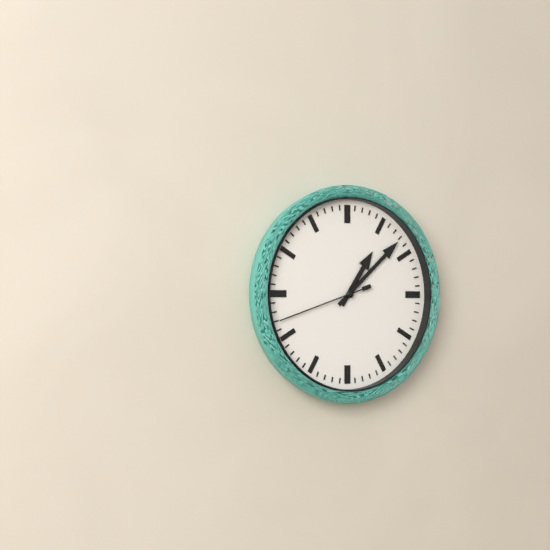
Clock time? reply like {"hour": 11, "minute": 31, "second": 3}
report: {"hour": 1, "minute": 8, "second": 42}
